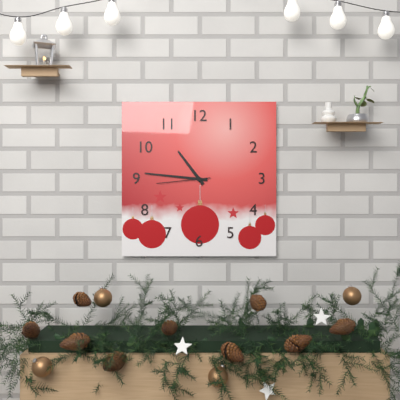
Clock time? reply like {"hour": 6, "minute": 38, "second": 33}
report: {"hour": 10, "minute": 46, "second": 44}
